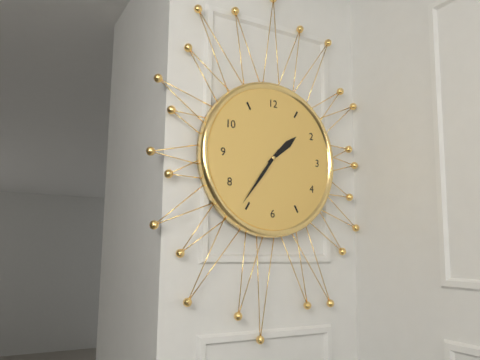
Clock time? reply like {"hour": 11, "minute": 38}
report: {"hour": 1, "minute": 36}
